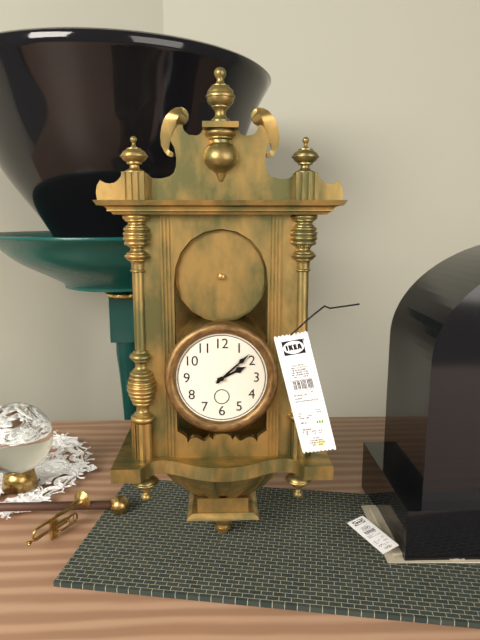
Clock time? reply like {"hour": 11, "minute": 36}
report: {"hour": 2, "minute": 8}
